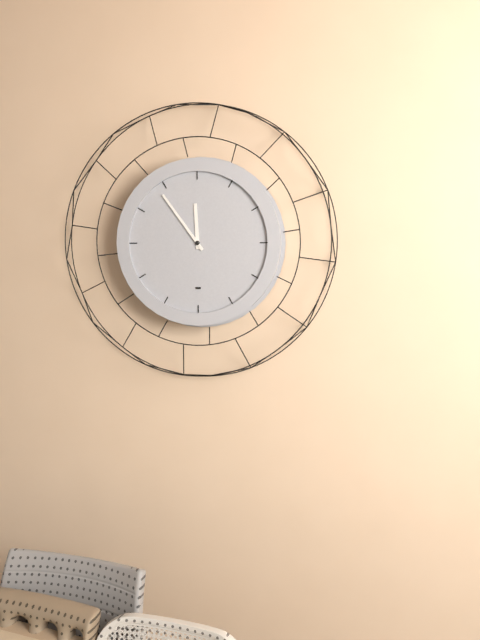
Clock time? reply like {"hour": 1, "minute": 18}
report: {"hour": 11, "minute": 54}
